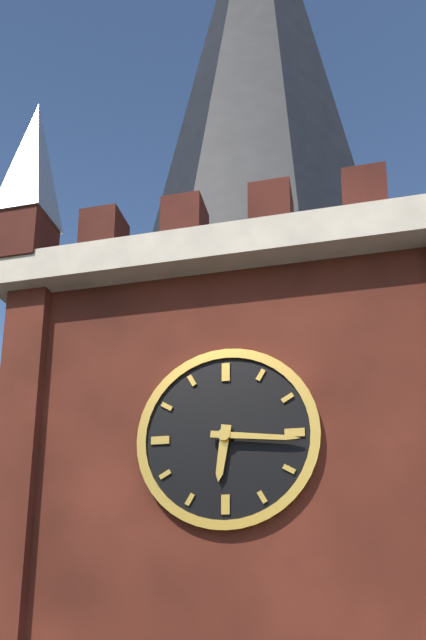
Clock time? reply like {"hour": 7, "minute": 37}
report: {"hour": 6, "minute": 16}
